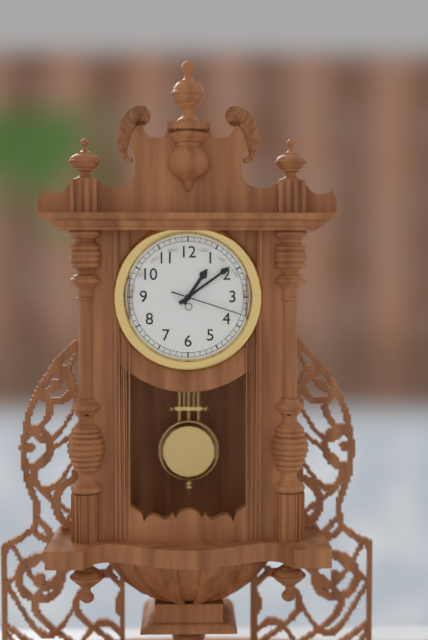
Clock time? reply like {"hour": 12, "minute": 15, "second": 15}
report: {"hour": 1, "minute": 9, "second": 18}
